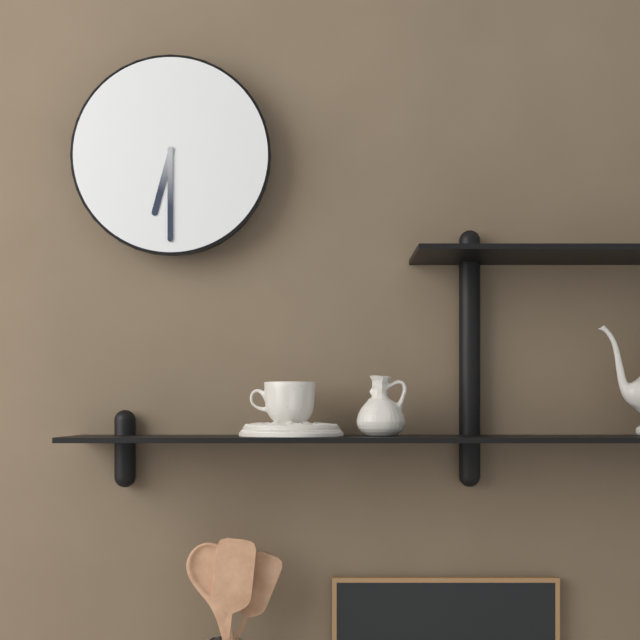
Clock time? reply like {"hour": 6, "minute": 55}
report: {"hour": 6, "minute": 30}
